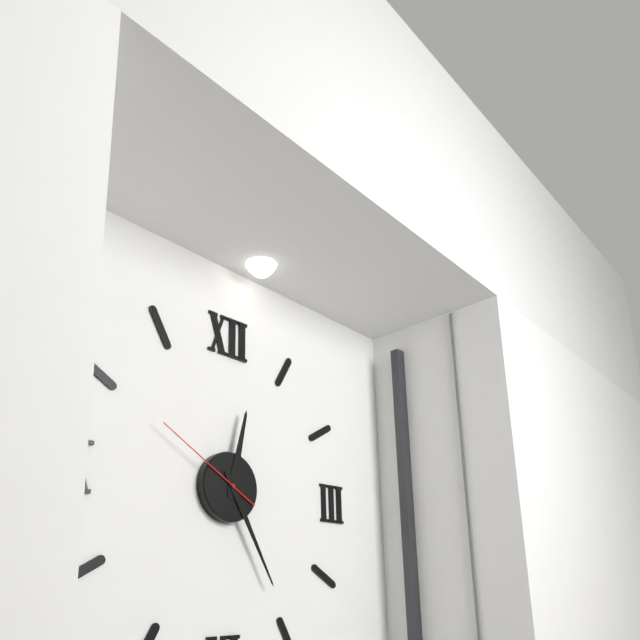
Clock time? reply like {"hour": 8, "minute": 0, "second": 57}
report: {"hour": 12, "minute": 25, "second": 50}
